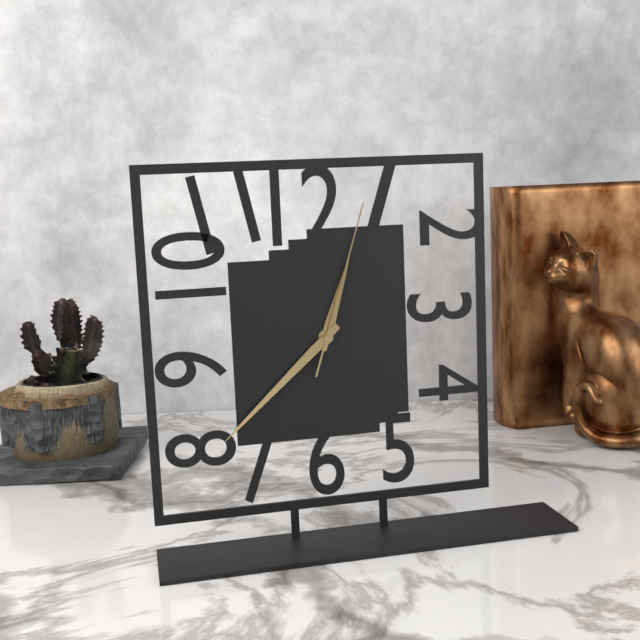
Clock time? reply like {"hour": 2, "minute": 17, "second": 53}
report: {"hour": 12, "minute": 38, "second": 3}
